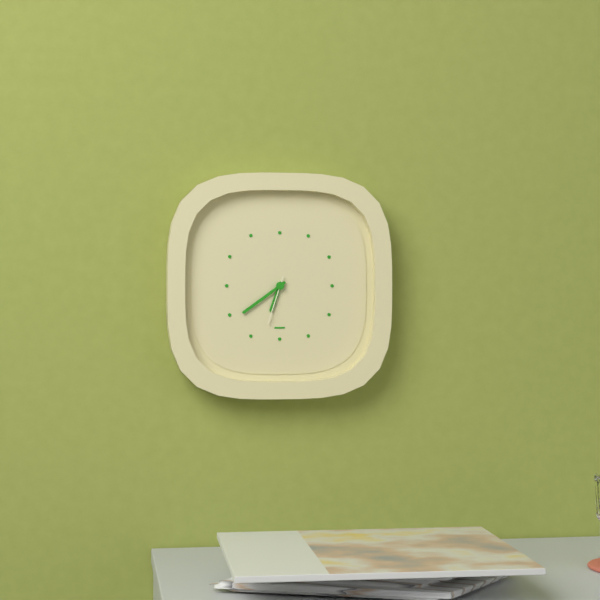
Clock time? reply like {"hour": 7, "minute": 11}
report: {"hour": 6, "minute": 39}
